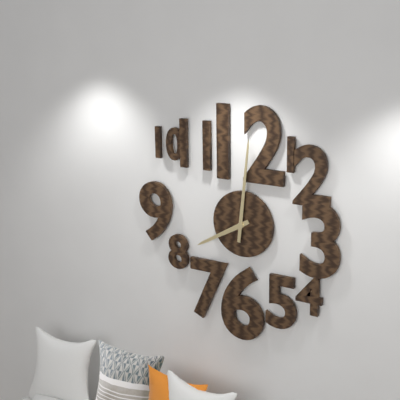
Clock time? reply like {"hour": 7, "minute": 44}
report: {"hour": 8, "minute": 1}
